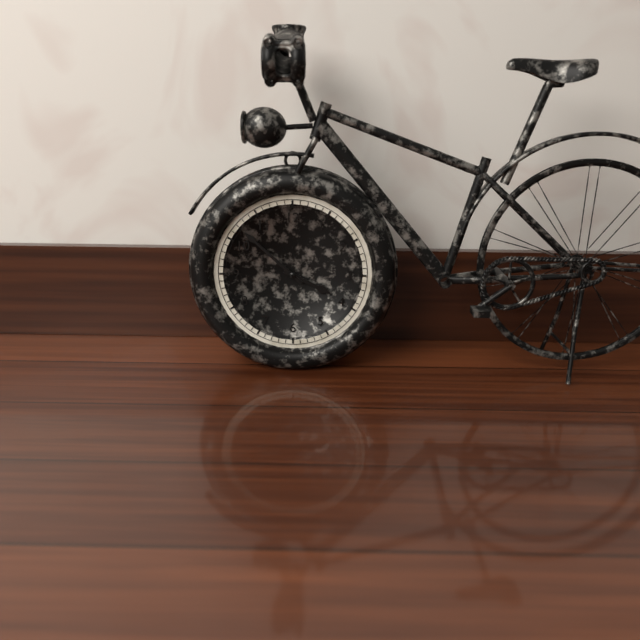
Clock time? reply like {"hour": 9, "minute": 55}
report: {"hour": 3, "minute": 52}
